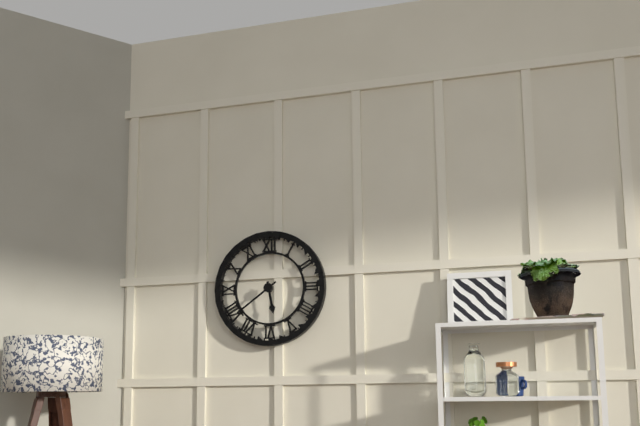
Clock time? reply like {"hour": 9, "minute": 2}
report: {"hour": 5, "minute": 39}
